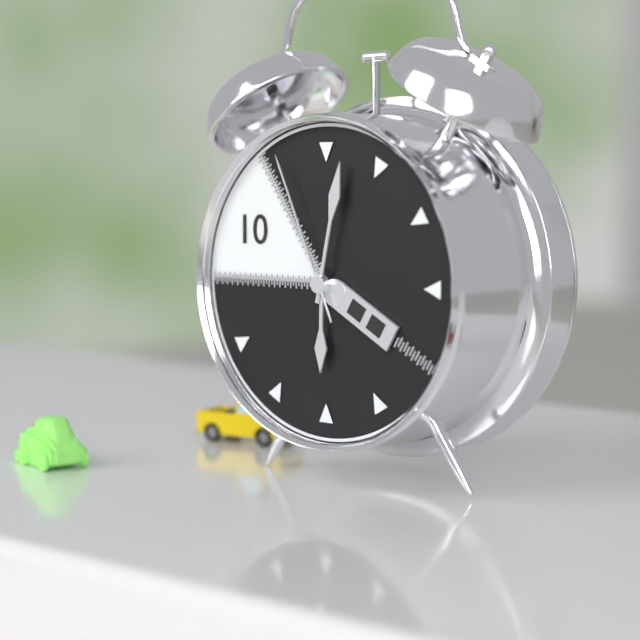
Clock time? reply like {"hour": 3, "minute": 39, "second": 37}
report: {"hour": 6, "minute": 2, "second": 56}
